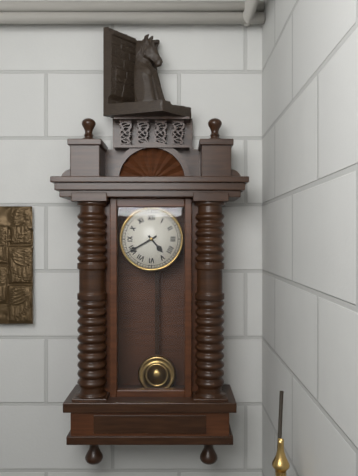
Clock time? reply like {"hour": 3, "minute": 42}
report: {"hour": 4, "minute": 40}
